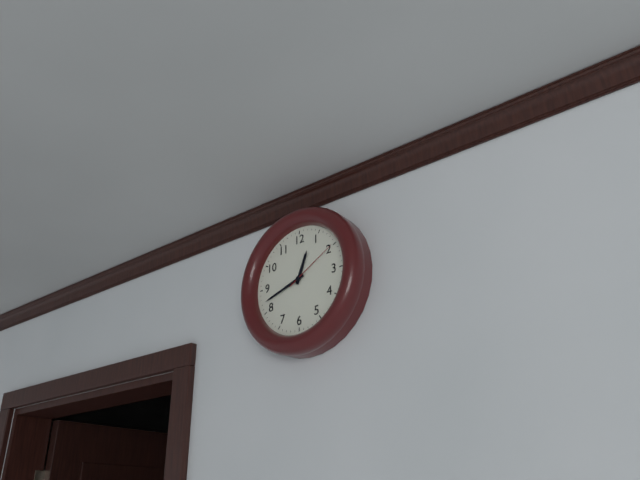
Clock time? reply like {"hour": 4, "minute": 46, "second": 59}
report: {"hour": 12, "minute": 42, "second": 10}
